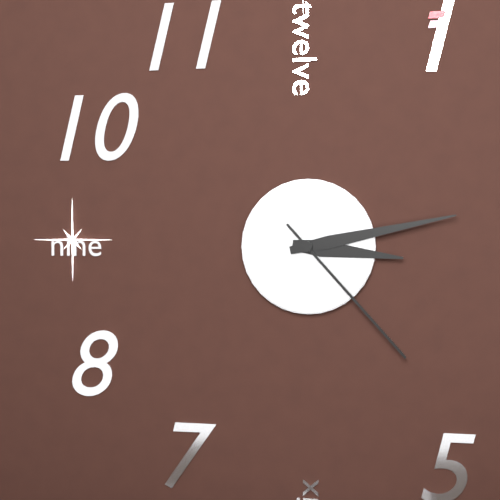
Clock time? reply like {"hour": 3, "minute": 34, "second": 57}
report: {"hour": 3, "minute": 13, "second": 23}
